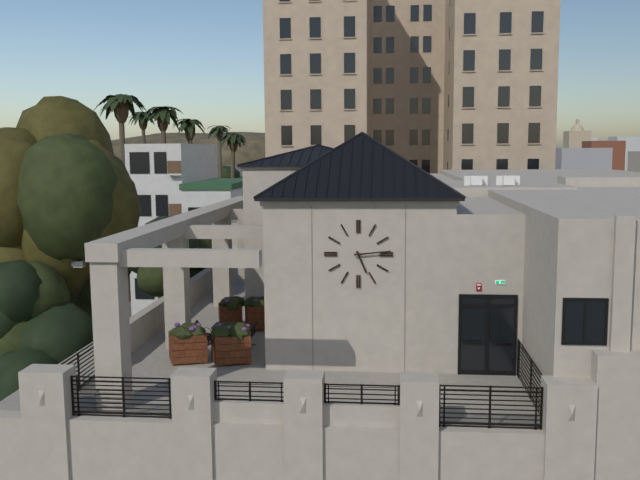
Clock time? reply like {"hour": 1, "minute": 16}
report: {"hour": 5, "minute": 14}
